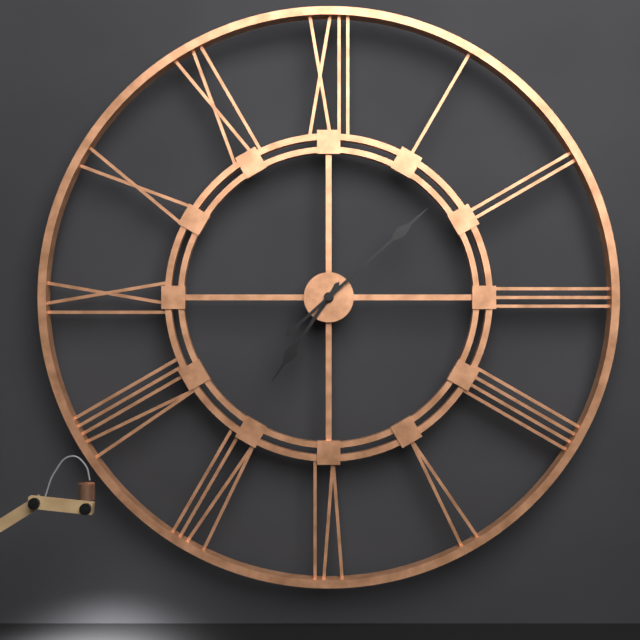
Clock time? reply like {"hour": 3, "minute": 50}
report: {"hour": 7, "minute": 8}
